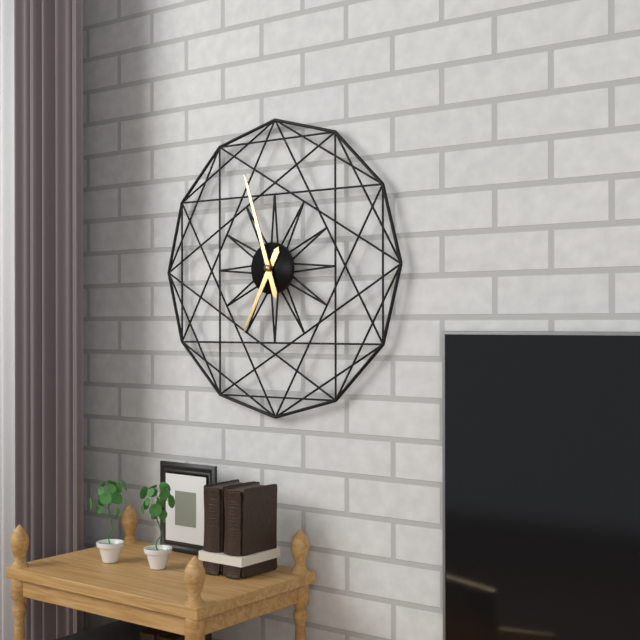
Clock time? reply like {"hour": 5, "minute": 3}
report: {"hour": 6, "minute": 57}
